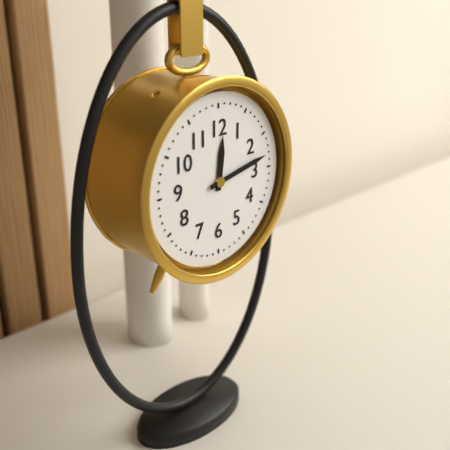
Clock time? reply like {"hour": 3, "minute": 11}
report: {"hour": 12, "minute": 13}
